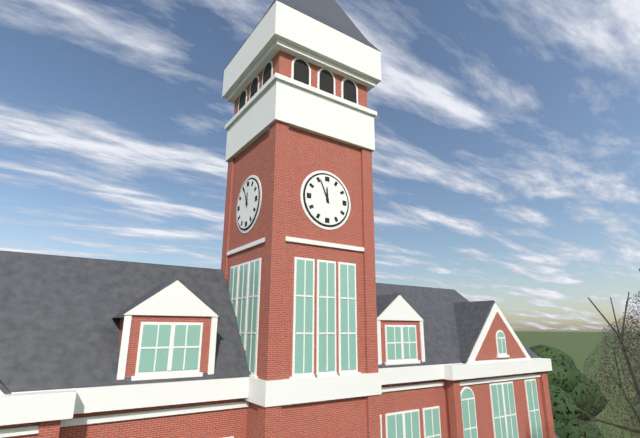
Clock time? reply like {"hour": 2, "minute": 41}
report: {"hour": 11, "minute": 56}
